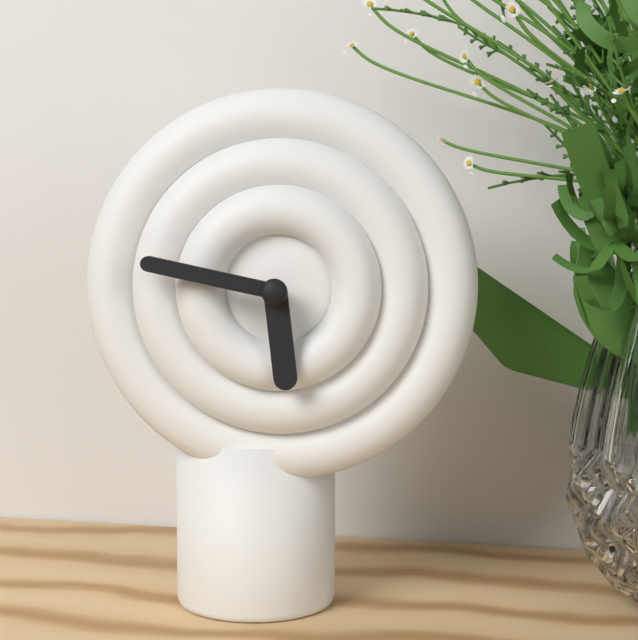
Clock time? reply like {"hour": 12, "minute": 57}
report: {"hour": 5, "minute": 47}
